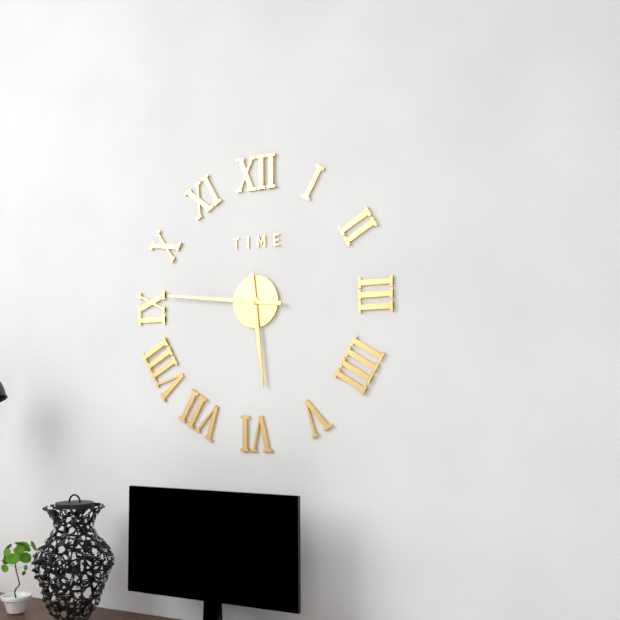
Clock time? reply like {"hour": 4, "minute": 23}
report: {"hour": 5, "minute": 46}
